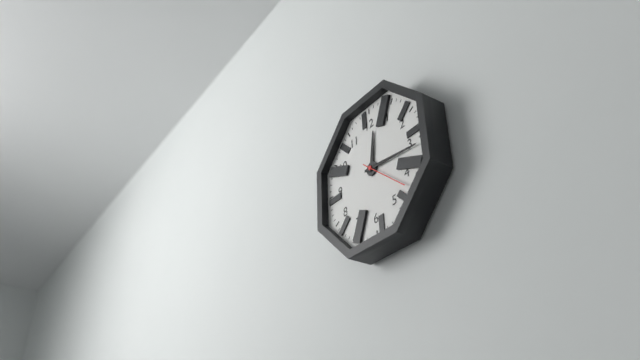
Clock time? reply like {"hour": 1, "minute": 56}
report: {"hour": 12, "minute": 16}
